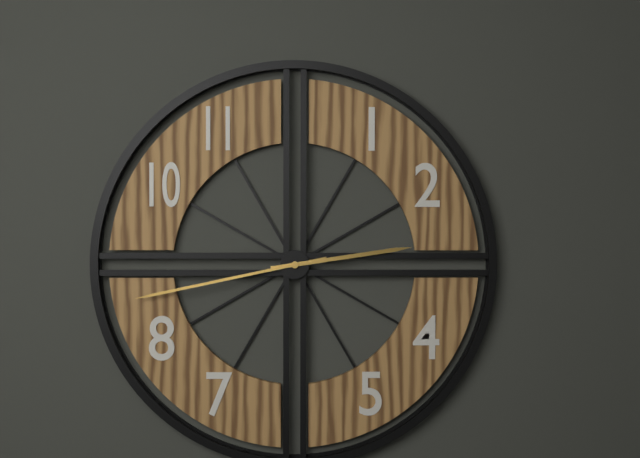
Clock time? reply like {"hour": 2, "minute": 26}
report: {"hour": 2, "minute": 43}
